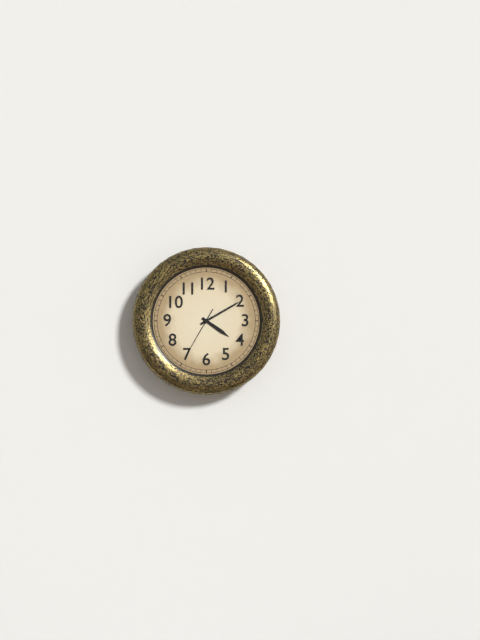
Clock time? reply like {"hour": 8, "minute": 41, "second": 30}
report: {"hour": 4, "minute": 10, "second": 35}
